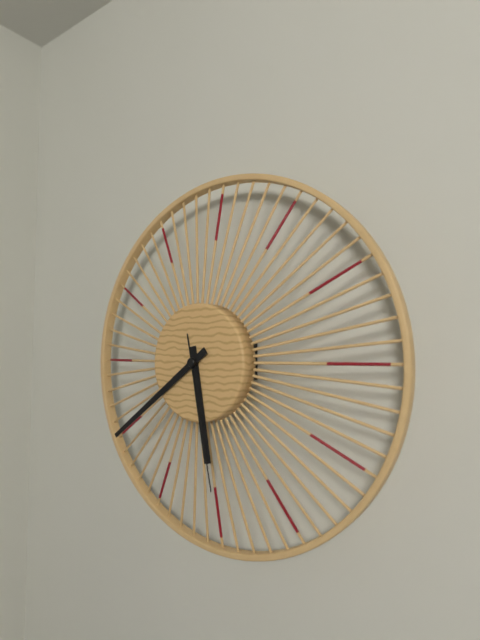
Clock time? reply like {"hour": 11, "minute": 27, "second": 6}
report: {"hour": 5, "minute": 39, "second": 28}
